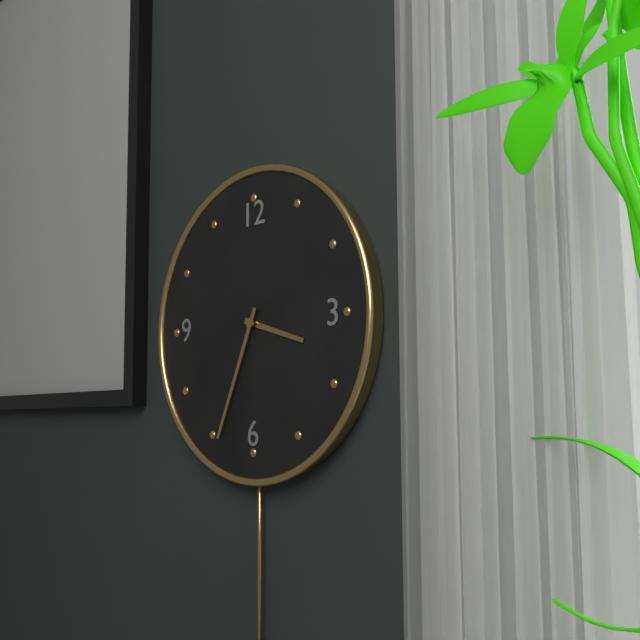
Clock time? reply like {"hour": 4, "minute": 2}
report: {"hour": 3, "minute": 34}
